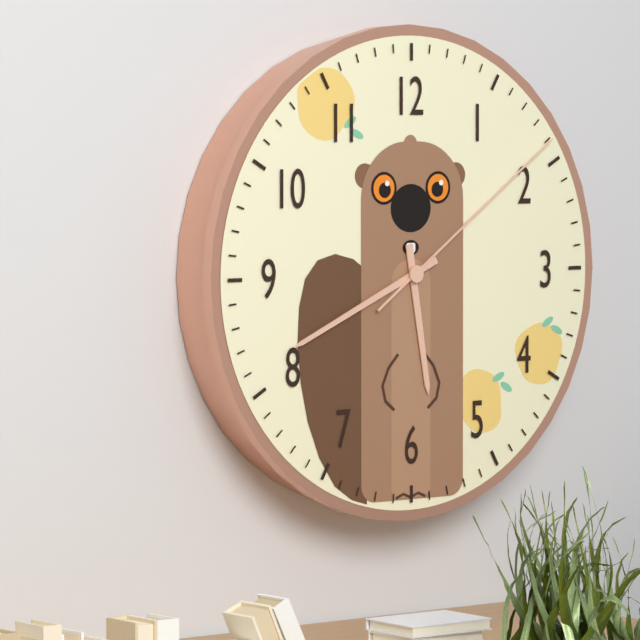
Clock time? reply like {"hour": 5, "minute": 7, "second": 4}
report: {"hour": 5, "minute": 41, "second": 9}
